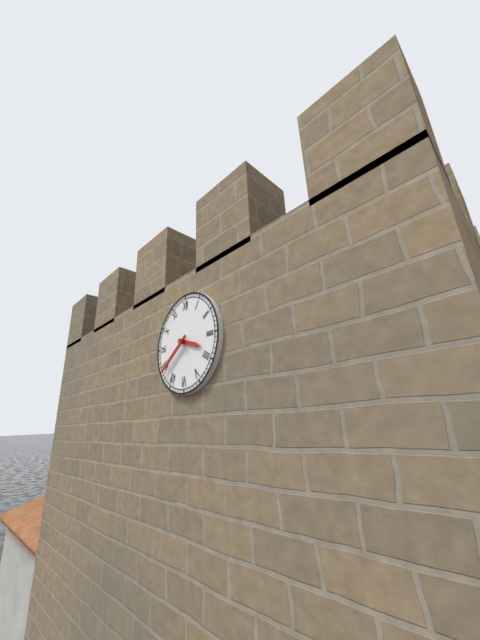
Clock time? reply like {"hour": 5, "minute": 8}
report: {"hour": 3, "minute": 39}
